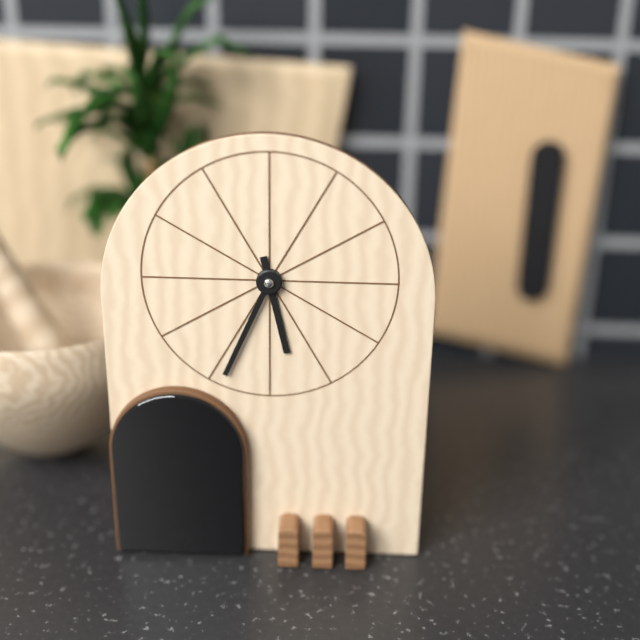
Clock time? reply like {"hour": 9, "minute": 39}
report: {"hour": 5, "minute": 34}
